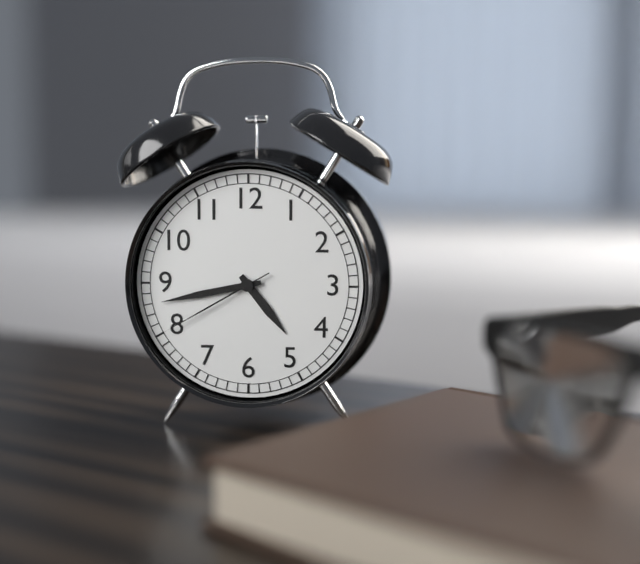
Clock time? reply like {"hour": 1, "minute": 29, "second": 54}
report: {"hour": 4, "minute": 43, "second": 40}
